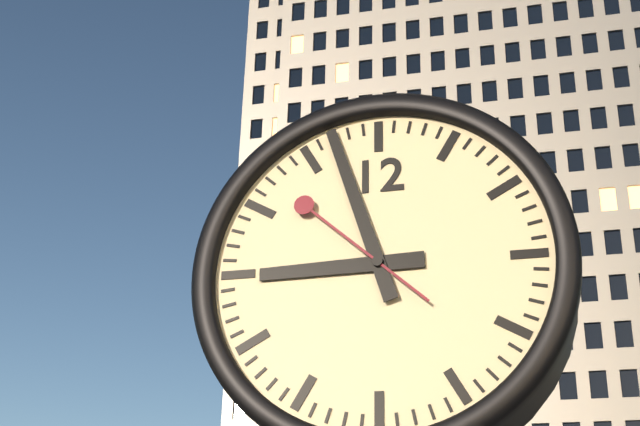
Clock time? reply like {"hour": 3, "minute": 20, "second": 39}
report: {"hour": 8, "minute": 57, "second": 52}
